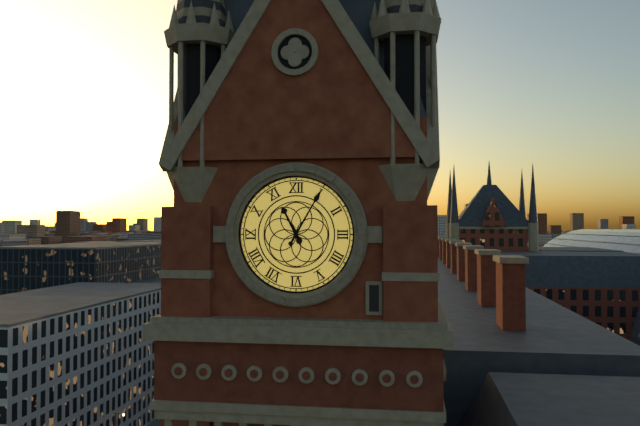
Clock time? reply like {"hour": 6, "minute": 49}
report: {"hour": 11, "minute": 5}
